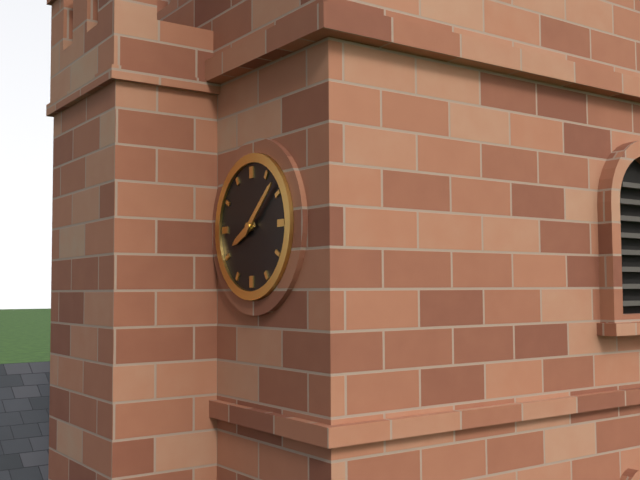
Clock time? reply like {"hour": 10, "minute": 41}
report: {"hour": 8, "minute": 8}
